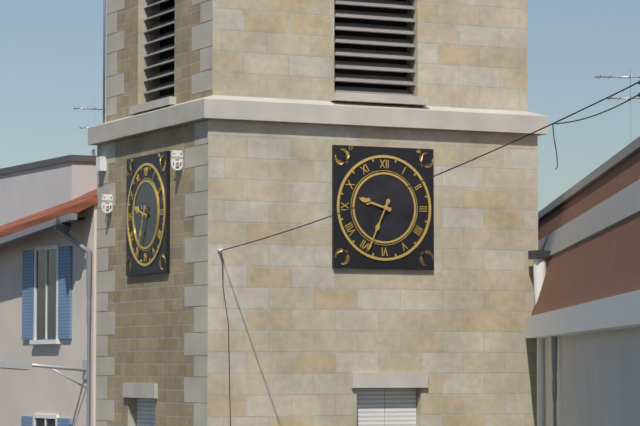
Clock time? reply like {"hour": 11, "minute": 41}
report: {"hour": 9, "minute": 34}
